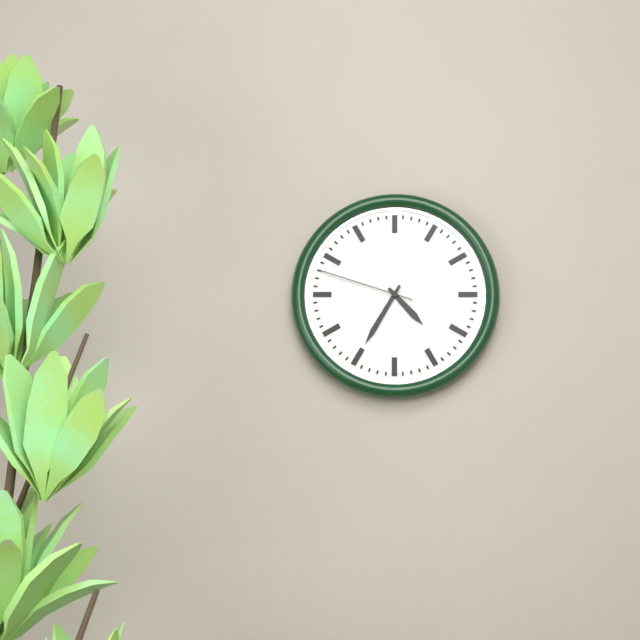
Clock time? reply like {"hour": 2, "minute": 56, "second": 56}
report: {"hour": 4, "minute": 35, "second": 48}
